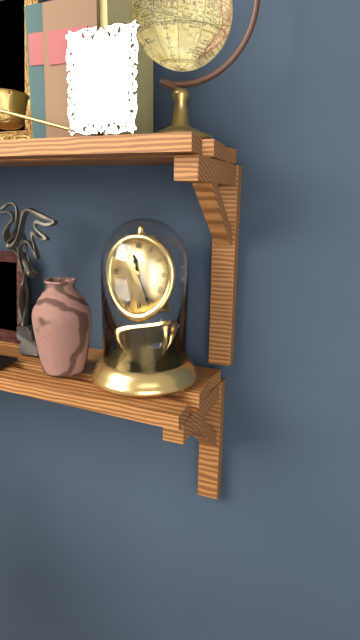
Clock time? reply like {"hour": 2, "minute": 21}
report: {"hour": 11, "minute": 26}
